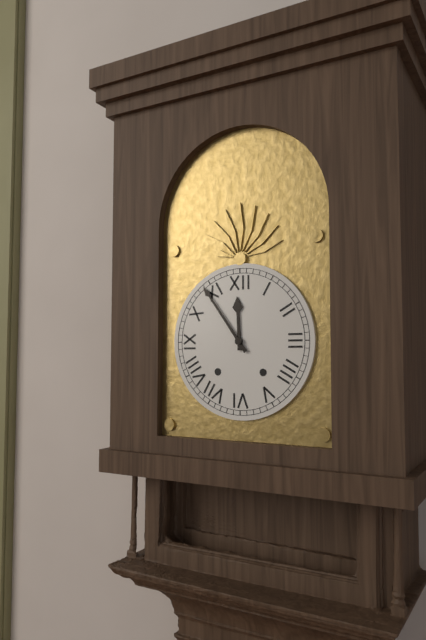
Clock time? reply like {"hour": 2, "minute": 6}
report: {"hour": 11, "minute": 54}
